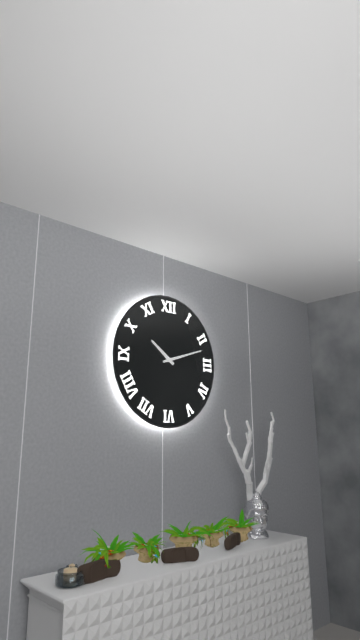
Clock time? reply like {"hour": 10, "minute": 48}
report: {"hour": 10, "minute": 12}
